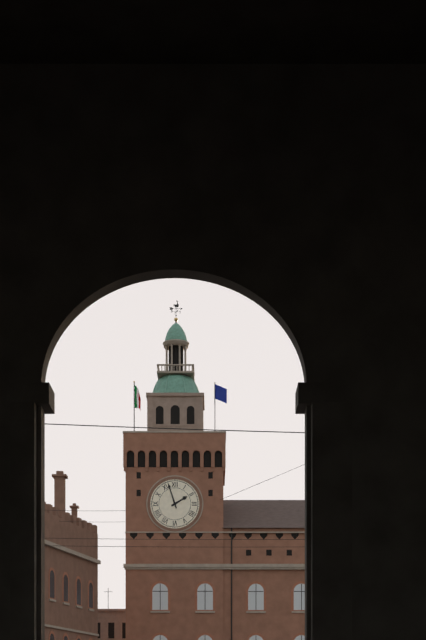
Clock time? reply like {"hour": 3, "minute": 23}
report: {"hour": 1, "minute": 57}
